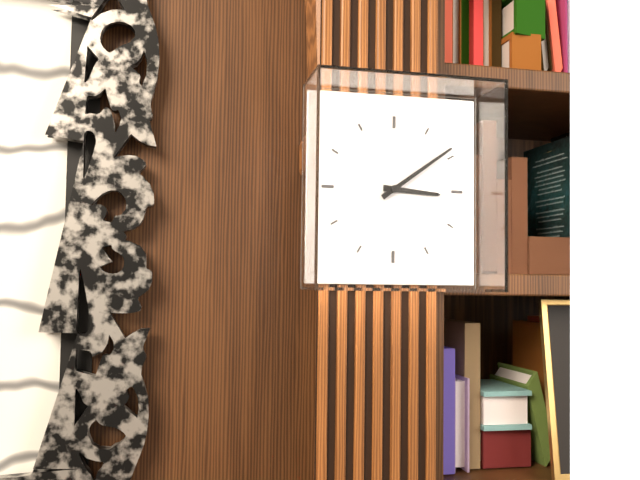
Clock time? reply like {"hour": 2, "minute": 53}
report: {"hour": 3, "minute": 9}
